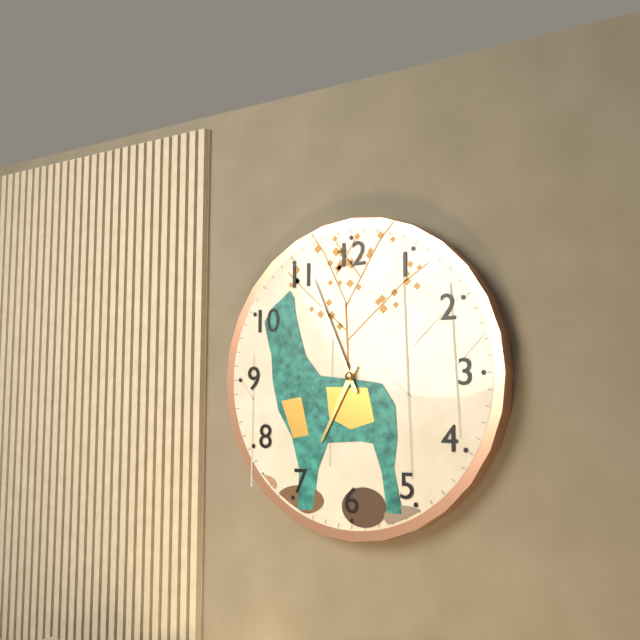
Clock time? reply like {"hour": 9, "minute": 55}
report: {"hour": 6, "minute": 56}
